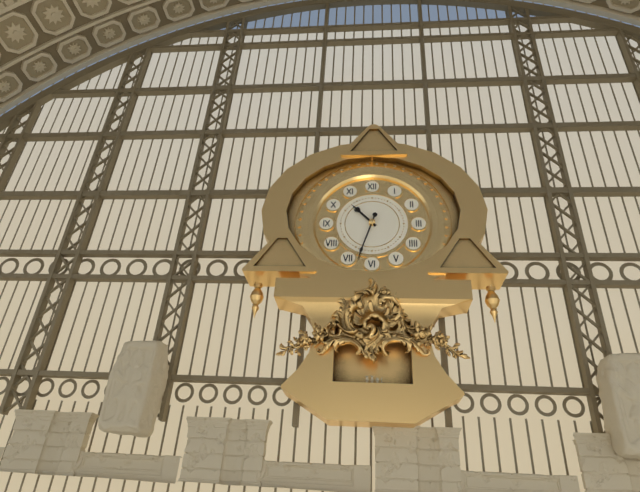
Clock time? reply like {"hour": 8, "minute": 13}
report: {"hour": 10, "minute": 33}
